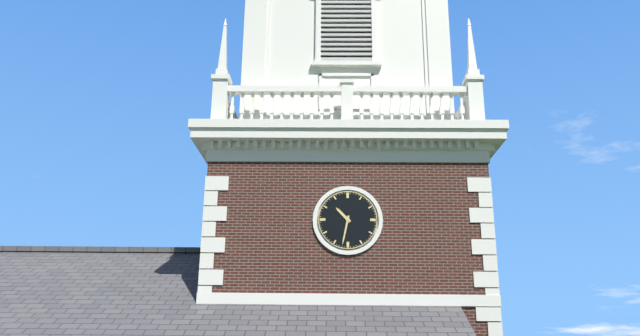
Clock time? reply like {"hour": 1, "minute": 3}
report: {"hour": 10, "minute": 32}
